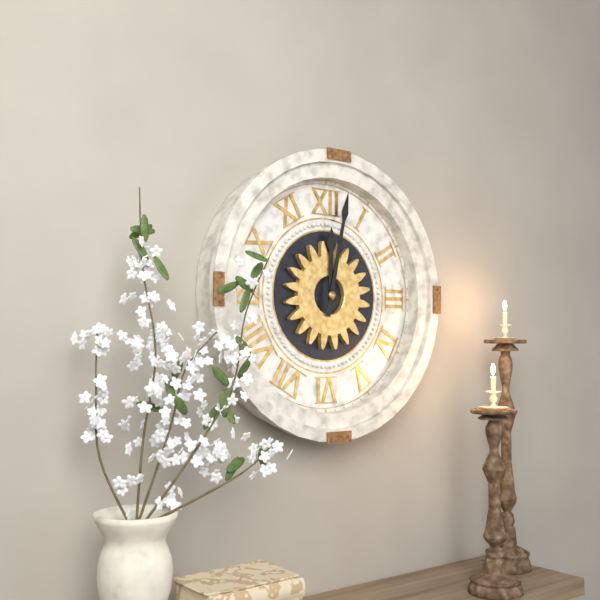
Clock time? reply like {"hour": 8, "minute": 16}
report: {"hour": 12, "minute": 2}
